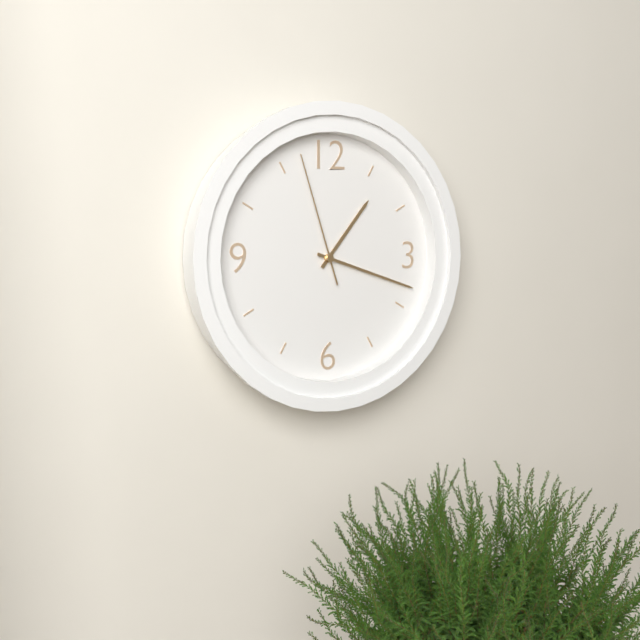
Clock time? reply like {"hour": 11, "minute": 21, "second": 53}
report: {"hour": 1, "minute": 18, "second": 57}
